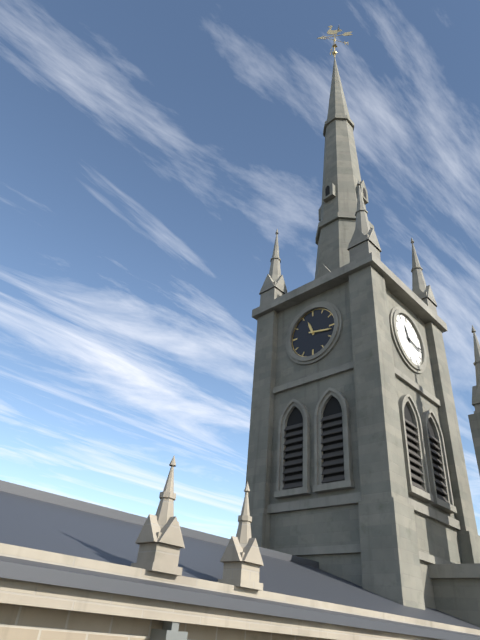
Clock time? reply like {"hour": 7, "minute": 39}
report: {"hour": 11, "minute": 17}
